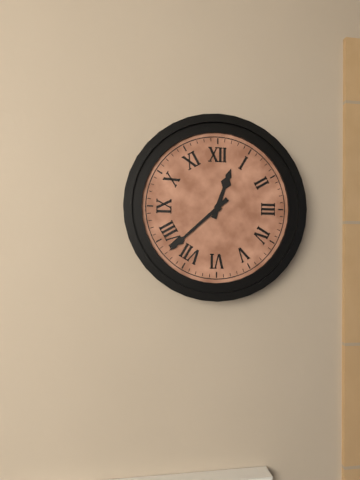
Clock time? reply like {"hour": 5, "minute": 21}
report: {"hour": 12, "minute": 38}
